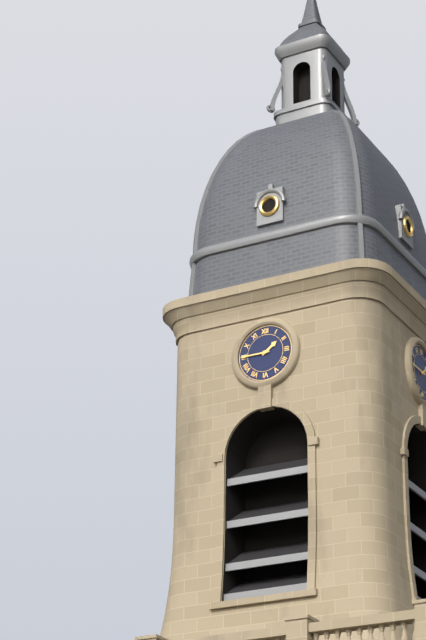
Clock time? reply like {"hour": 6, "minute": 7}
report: {"hour": 1, "minute": 45}
